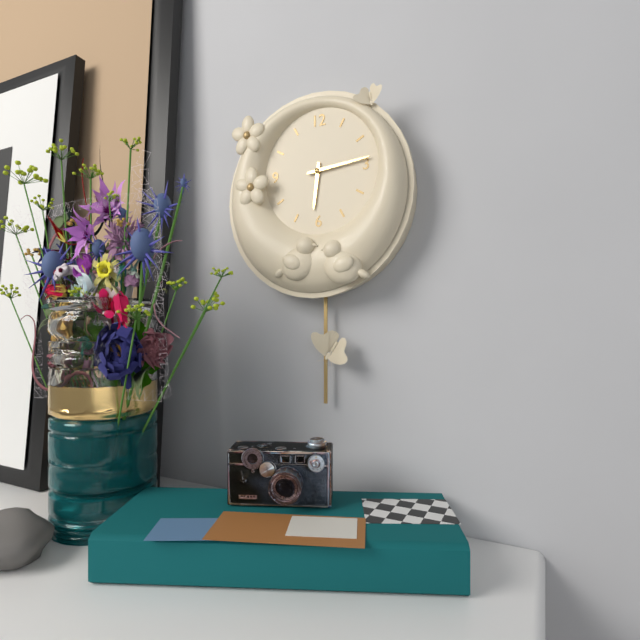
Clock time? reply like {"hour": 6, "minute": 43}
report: {"hour": 6, "minute": 14}
